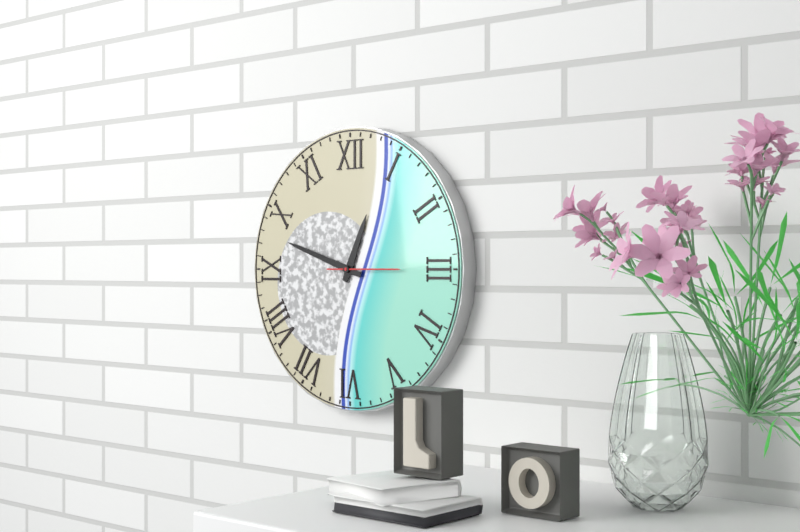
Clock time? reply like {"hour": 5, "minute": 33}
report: {"hour": 12, "minute": 48}
